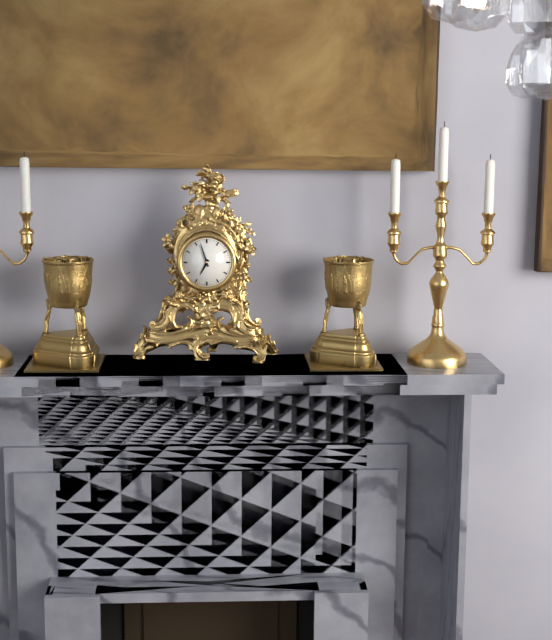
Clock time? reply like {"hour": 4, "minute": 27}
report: {"hour": 6, "minute": 57}
